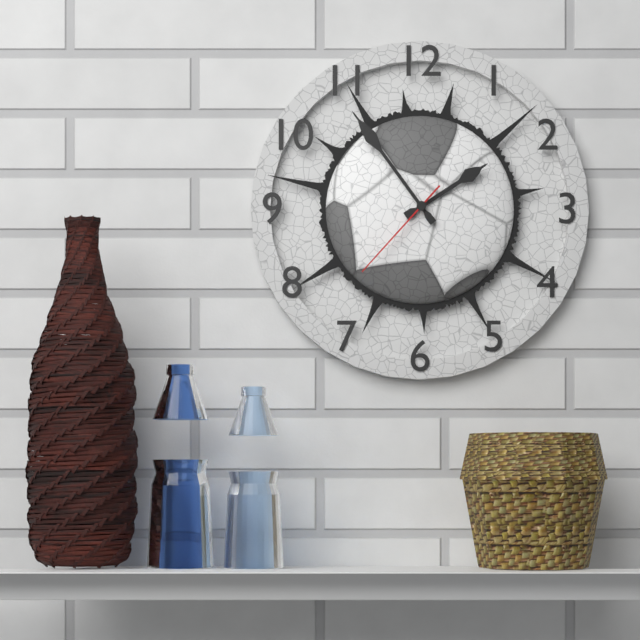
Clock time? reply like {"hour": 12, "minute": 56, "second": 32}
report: {"hour": 1, "minute": 54, "second": 37}
